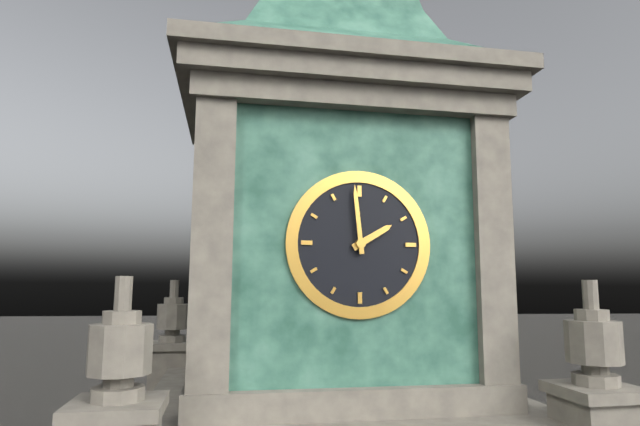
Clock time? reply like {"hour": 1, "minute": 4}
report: {"hour": 1, "minute": 59}
